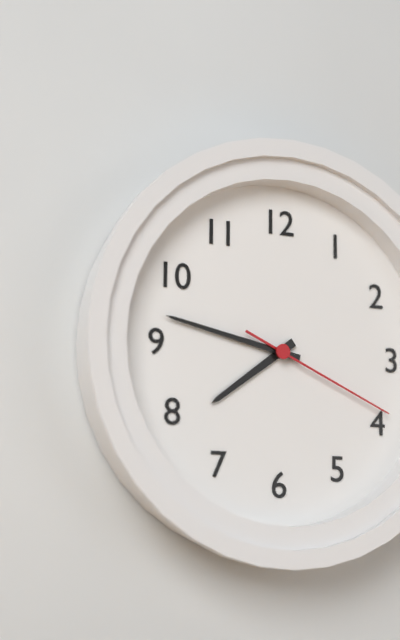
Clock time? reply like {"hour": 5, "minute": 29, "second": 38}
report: {"hour": 7, "minute": 47, "second": 19}
